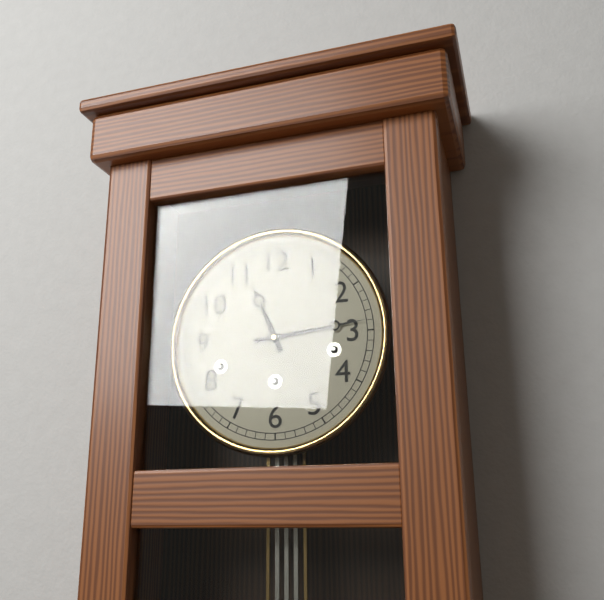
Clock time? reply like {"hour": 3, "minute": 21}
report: {"hour": 11, "minute": 14}
